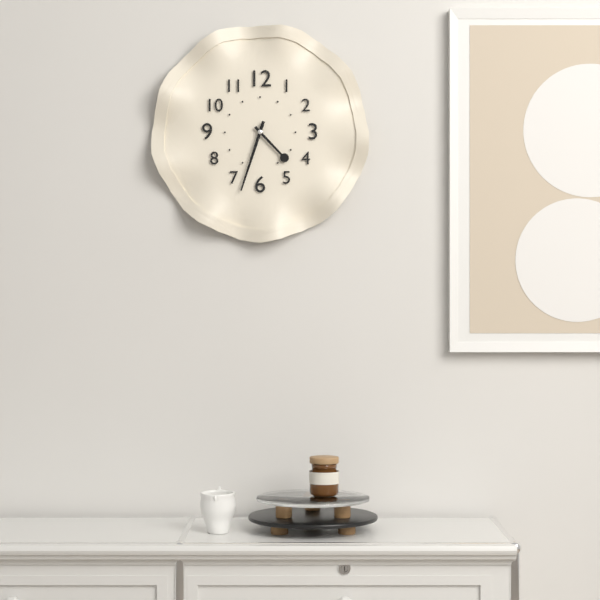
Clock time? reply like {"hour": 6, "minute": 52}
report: {"hour": 4, "minute": 33}
